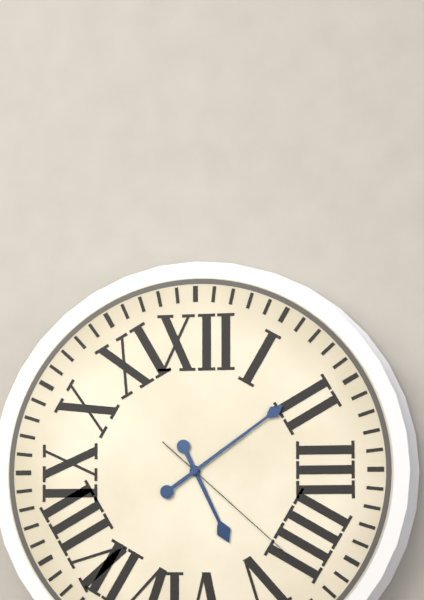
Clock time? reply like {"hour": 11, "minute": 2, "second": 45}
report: {"hour": 5, "minute": 9, "second": 22}
